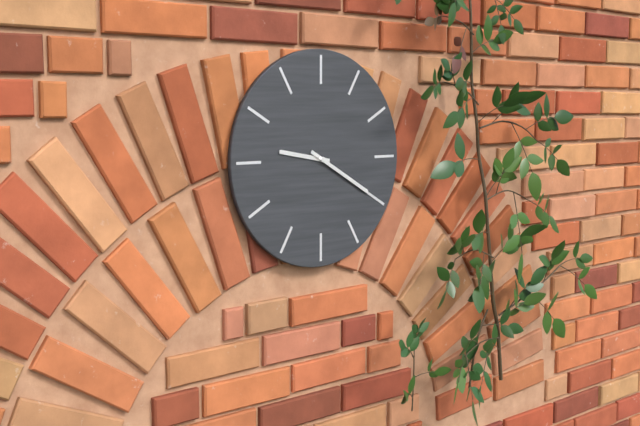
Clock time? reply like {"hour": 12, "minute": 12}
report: {"hour": 9, "minute": 20}
